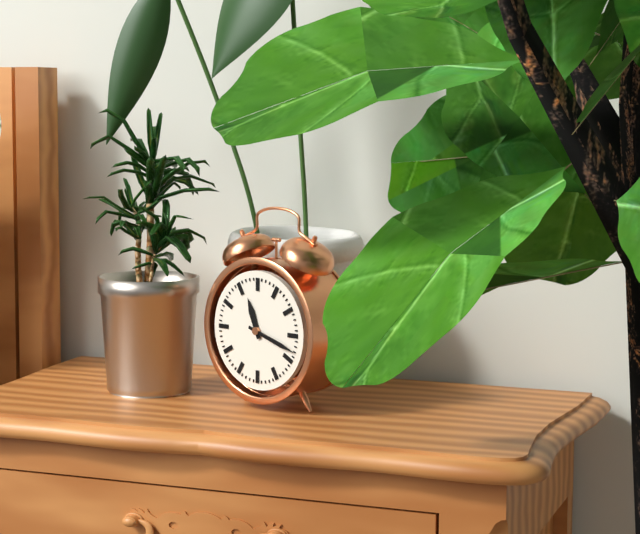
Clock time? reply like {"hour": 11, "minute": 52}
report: {"hour": 11, "minute": 18}
